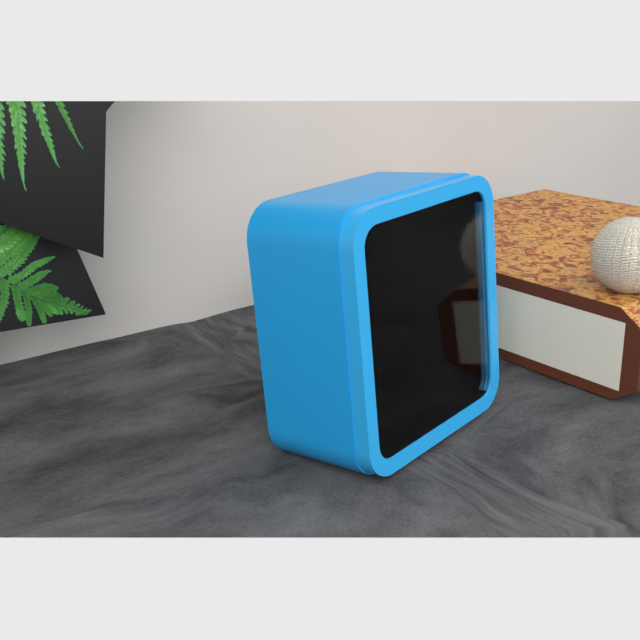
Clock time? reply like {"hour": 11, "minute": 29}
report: {"hour": 12, "minute": 11}
